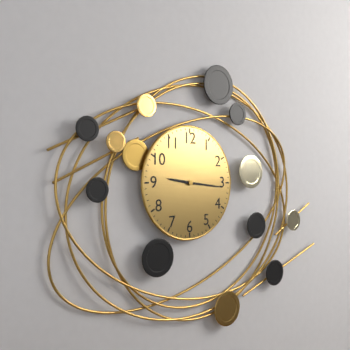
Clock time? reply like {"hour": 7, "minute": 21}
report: {"hour": 9, "minute": 16}
